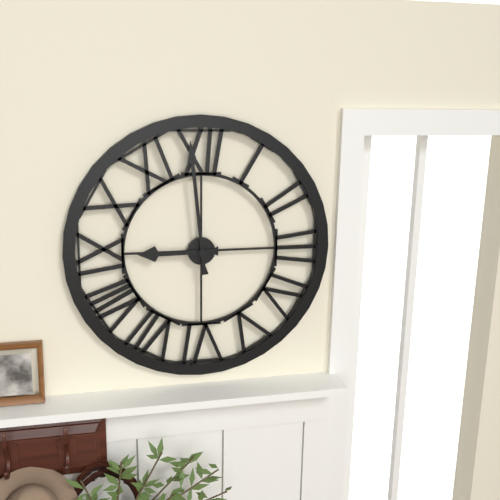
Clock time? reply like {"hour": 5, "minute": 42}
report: {"hour": 8, "minute": 59}
